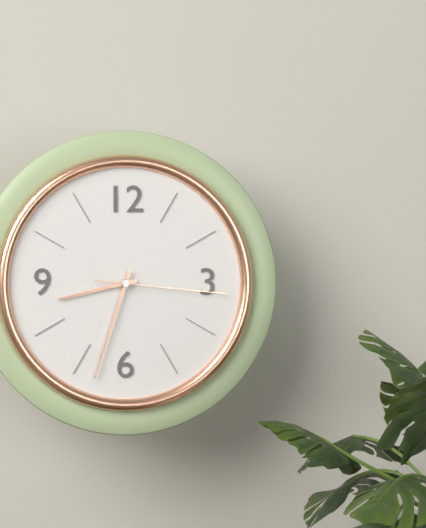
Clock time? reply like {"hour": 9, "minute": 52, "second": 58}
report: {"hour": 8, "minute": 33, "second": 16}
